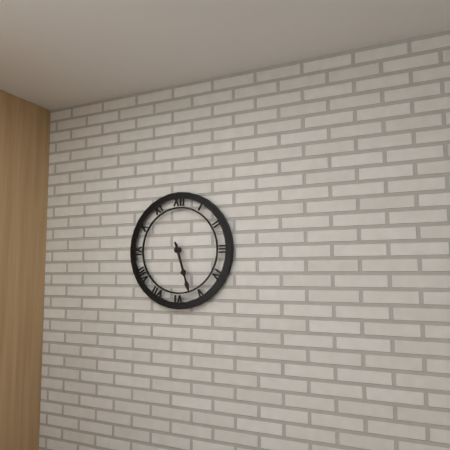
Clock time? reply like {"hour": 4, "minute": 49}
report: {"hour": 5, "minute": 27}
